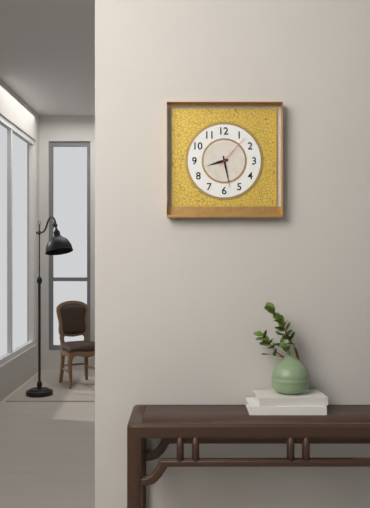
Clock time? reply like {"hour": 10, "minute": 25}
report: {"hour": 8, "minute": 28}
